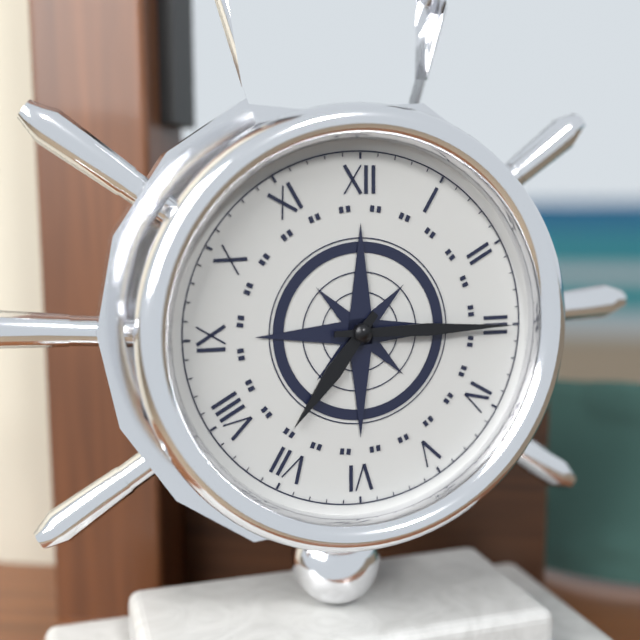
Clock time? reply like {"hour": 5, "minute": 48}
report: {"hour": 7, "minute": 15}
